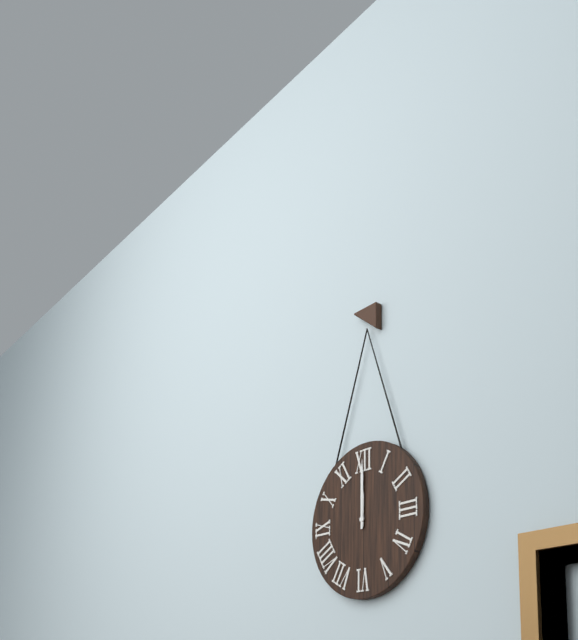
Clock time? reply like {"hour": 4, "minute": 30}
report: {"hour": 12, "minute": 0}
